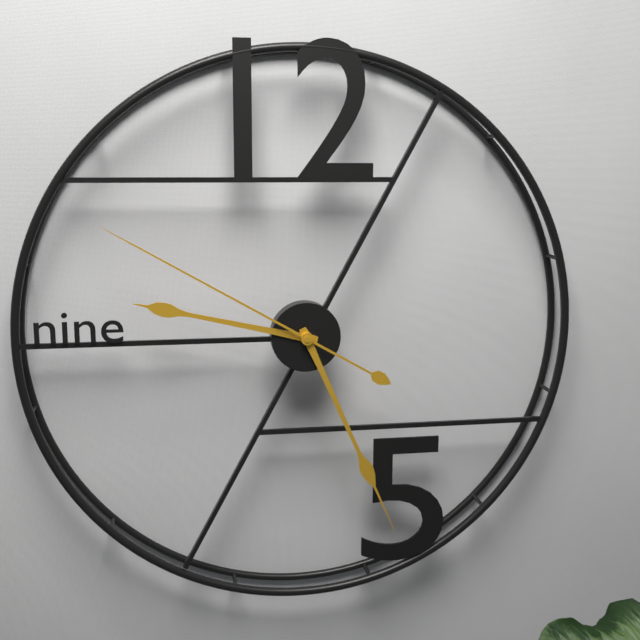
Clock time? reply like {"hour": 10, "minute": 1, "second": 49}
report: {"hour": 9, "minute": 26, "second": 50}
